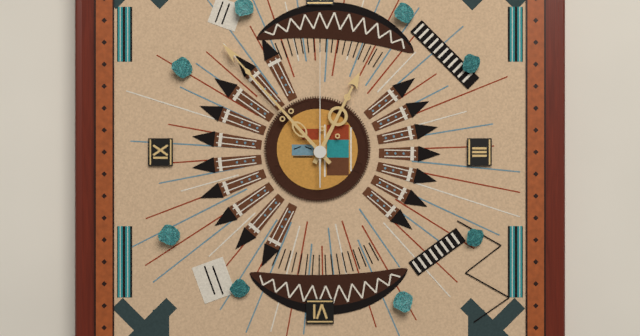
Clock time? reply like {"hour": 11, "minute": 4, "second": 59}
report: {"hour": 12, "minute": 53, "second": 0}
